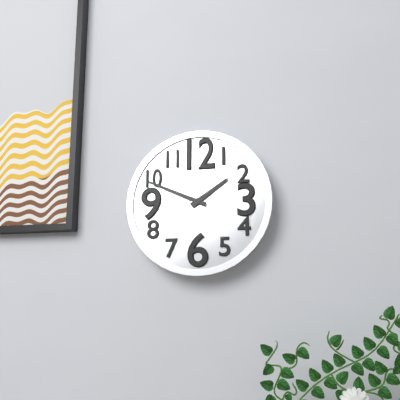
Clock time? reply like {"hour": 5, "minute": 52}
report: {"hour": 1, "minute": 49}
